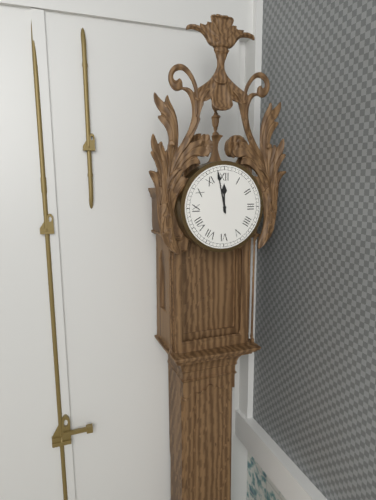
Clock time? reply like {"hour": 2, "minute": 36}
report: {"hour": 11, "minute": 58}
